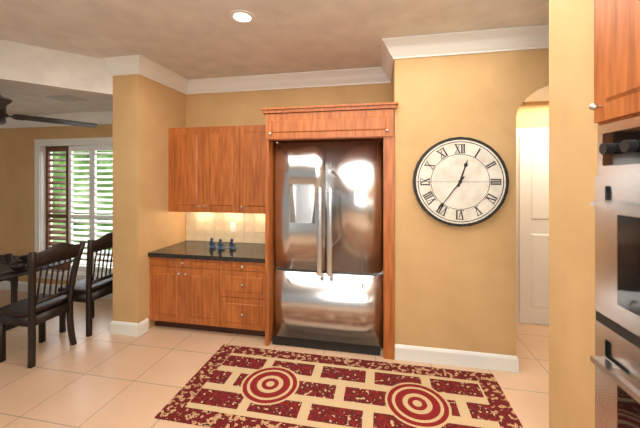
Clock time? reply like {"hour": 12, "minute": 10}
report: {"hour": 12, "minute": 36}
